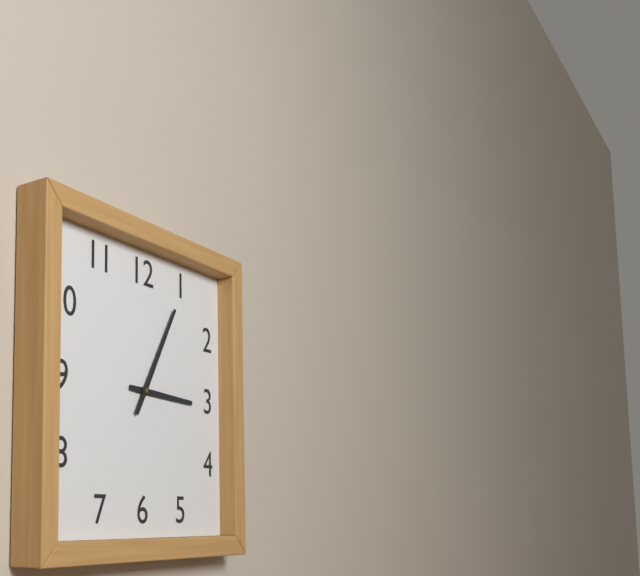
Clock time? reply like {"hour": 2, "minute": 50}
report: {"hour": 3, "minute": 5}
